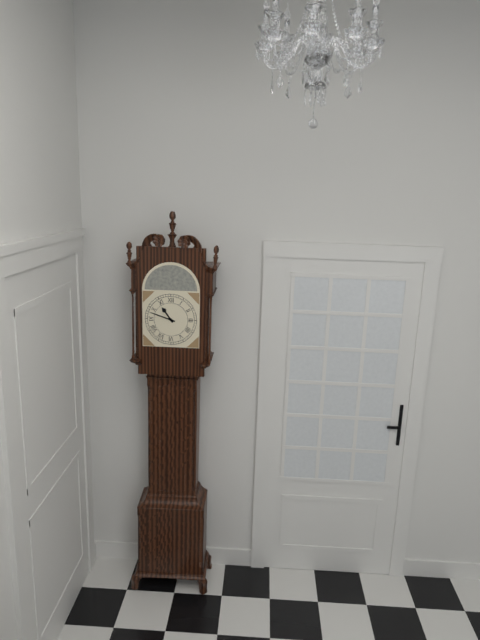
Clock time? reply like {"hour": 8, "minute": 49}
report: {"hour": 10, "minute": 48}
